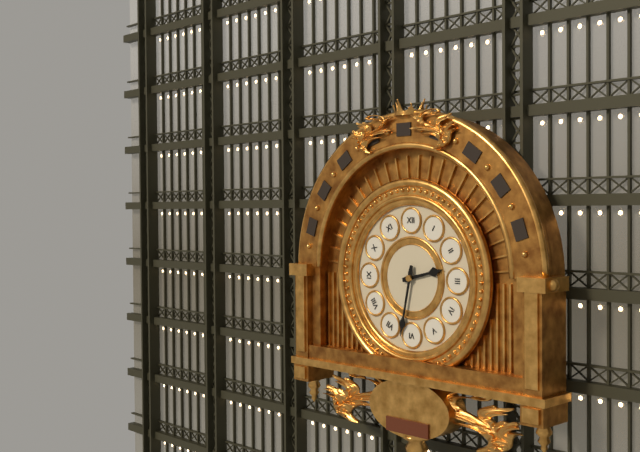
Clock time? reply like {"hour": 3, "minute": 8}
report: {"hour": 2, "minute": 32}
